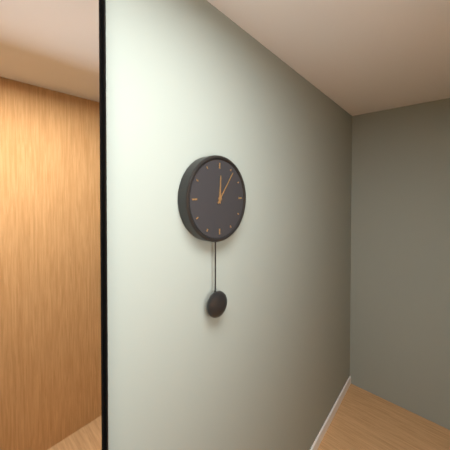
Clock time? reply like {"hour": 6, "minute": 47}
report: {"hour": 12, "minute": 6}
